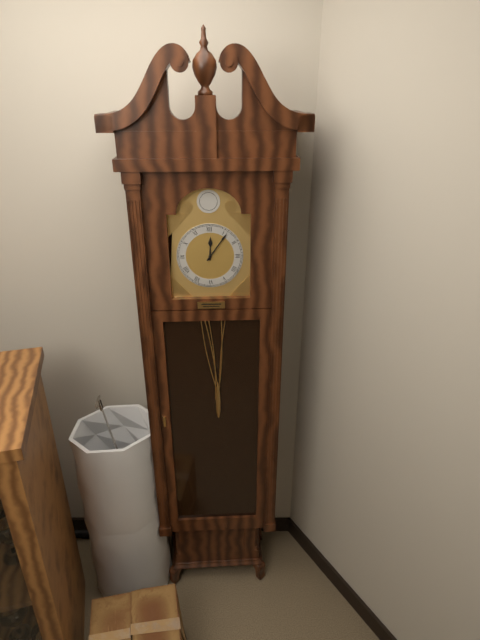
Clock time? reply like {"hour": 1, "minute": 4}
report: {"hour": 12, "minute": 6}
